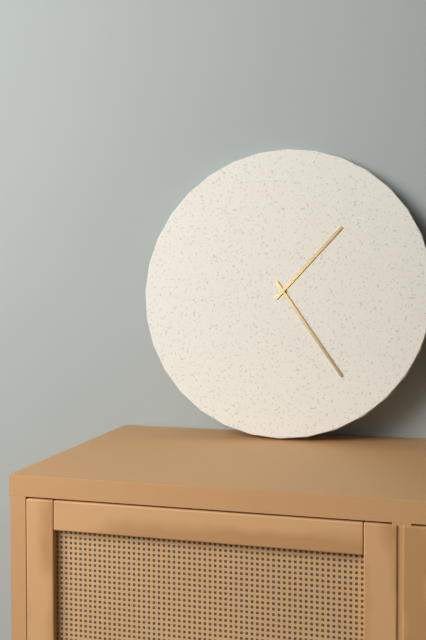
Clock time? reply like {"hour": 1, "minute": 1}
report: {"hour": 1, "minute": 24}
